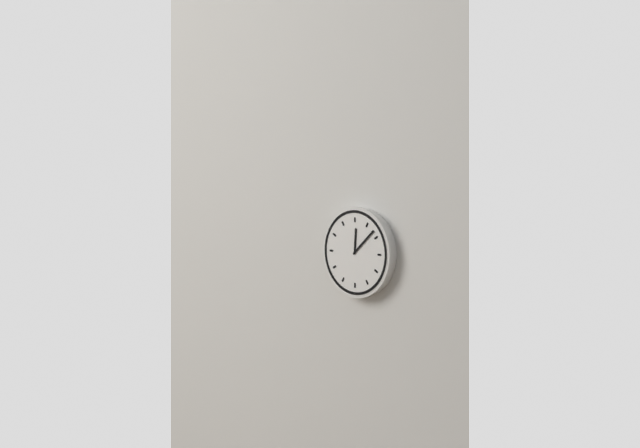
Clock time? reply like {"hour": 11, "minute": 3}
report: {"hour": 12, "minute": 8}
